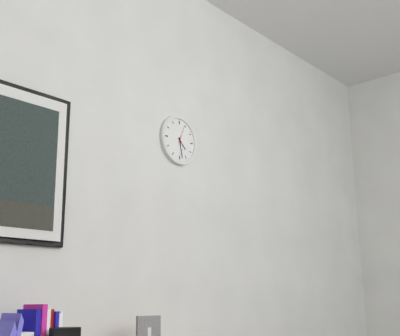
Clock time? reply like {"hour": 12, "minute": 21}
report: {"hour": 4, "minute": 28}
